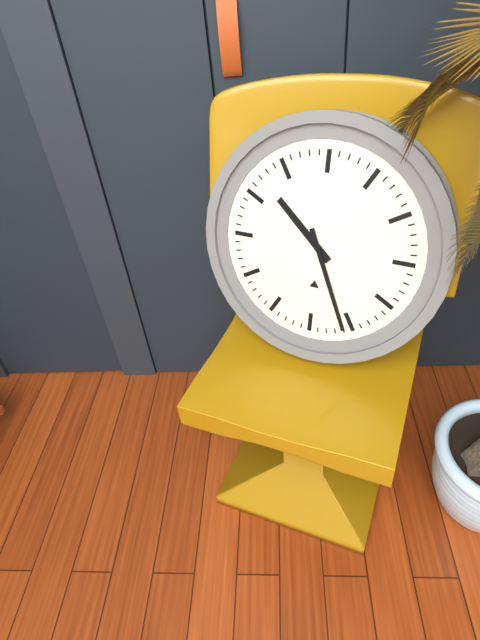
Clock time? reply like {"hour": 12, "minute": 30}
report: {"hour": 10, "minute": 26}
